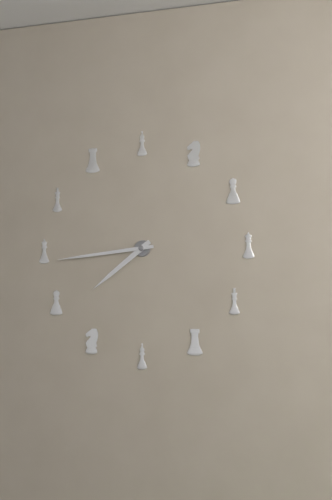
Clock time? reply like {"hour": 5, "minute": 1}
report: {"hour": 7, "minute": 44}
